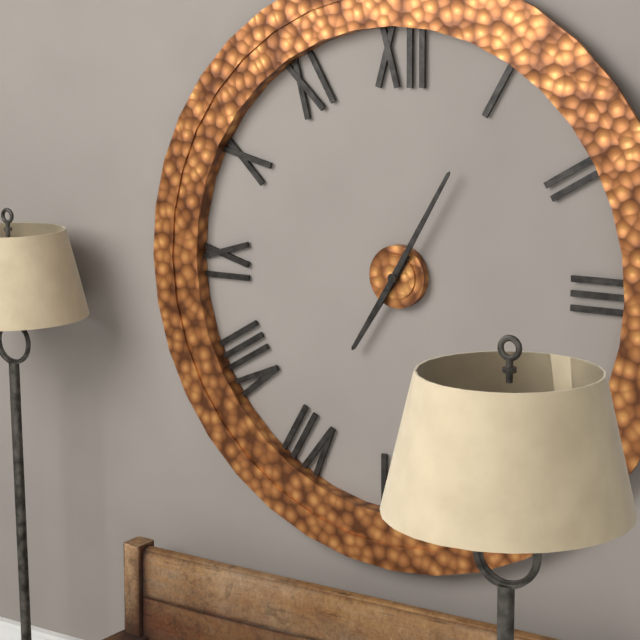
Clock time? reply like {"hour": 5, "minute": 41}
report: {"hour": 7, "minute": 5}
